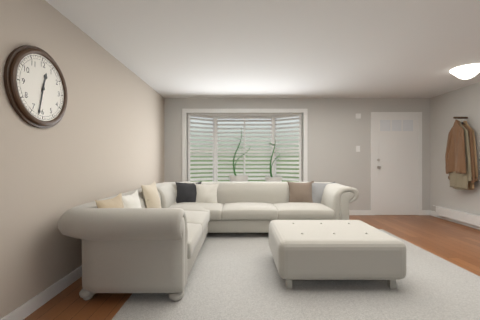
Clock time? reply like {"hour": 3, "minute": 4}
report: {"hour": 12, "minute": 32}
